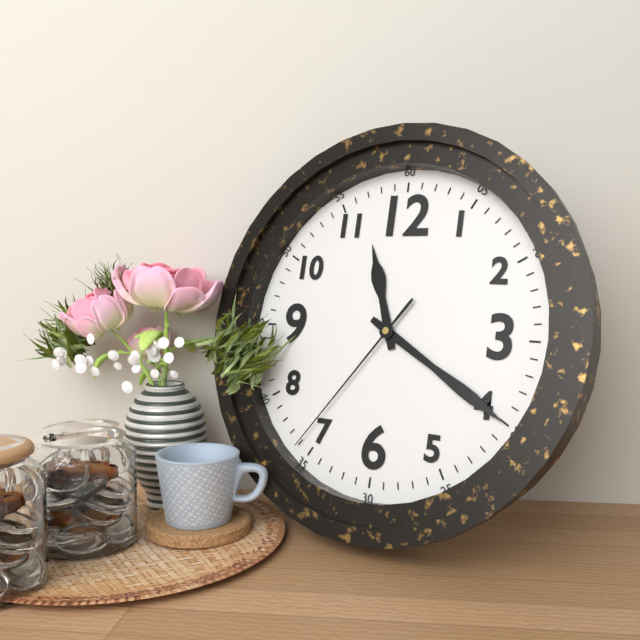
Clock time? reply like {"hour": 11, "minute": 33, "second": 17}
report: {"hour": 11, "minute": 20, "second": 36}
